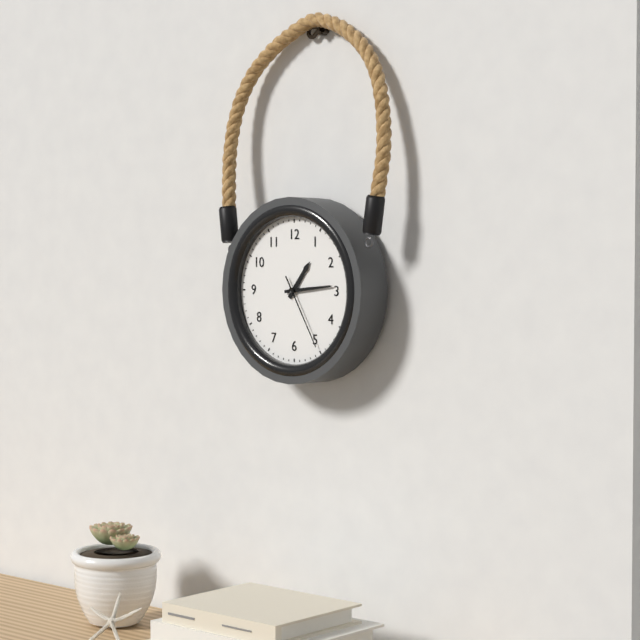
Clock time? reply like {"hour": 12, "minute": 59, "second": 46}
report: {"hour": 1, "minute": 14, "second": 25}
